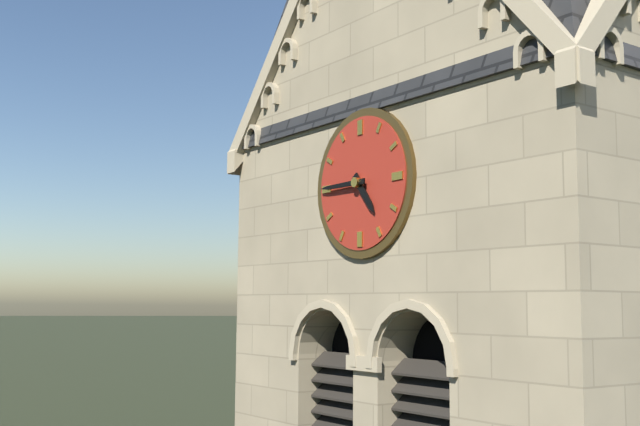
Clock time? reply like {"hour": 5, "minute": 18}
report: {"hour": 4, "minute": 45}
